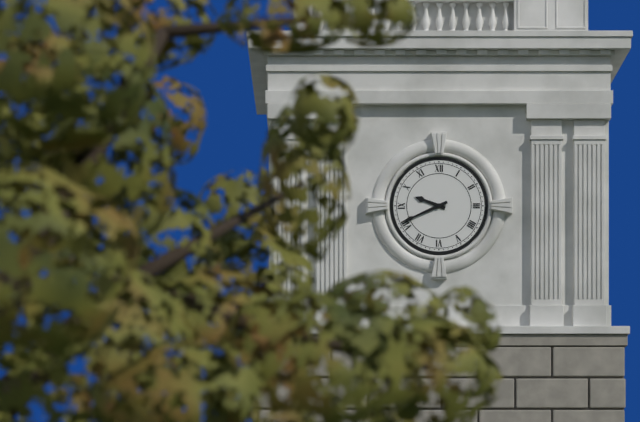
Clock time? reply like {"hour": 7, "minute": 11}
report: {"hour": 9, "minute": 41}
